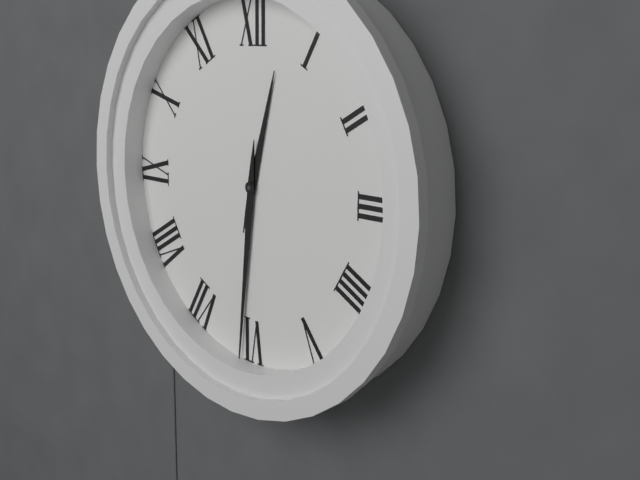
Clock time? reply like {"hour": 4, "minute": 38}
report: {"hour": 12, "minute": 31}
